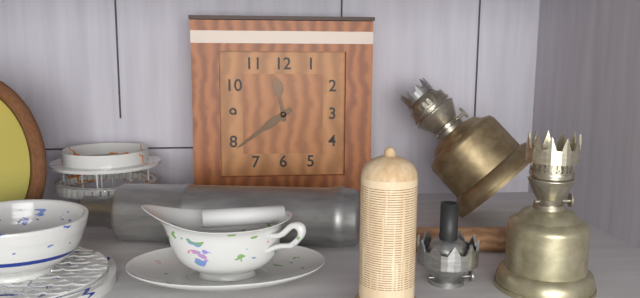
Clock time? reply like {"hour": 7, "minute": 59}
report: {"hour": 11, "minute": 39}
